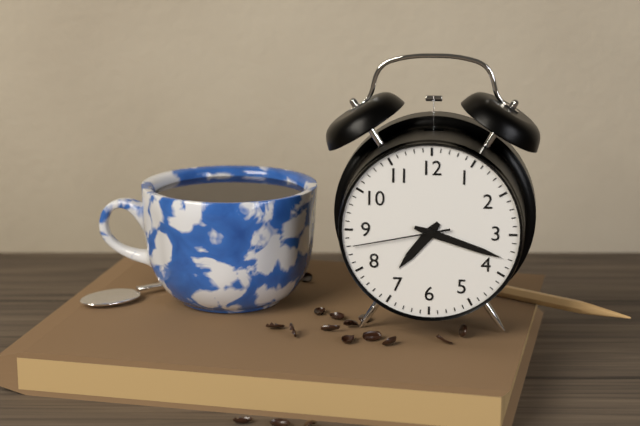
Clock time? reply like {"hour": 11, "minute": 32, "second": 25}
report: {"hour": 7, "minute": 18, "second": 43}
